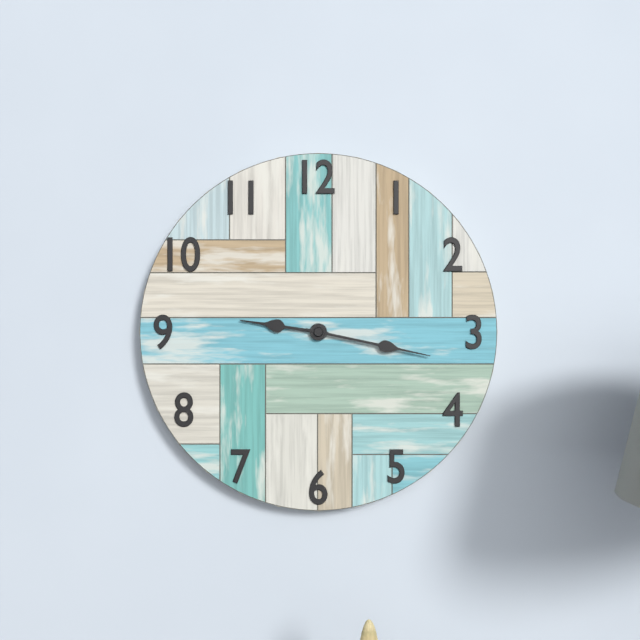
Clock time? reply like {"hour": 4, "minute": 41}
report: {"hour": 9, "minute": 17}
